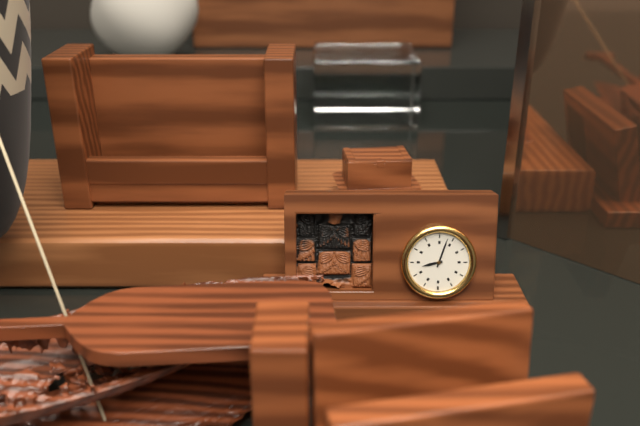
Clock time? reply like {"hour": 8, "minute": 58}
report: {"hour": 2, "minute": 33}
